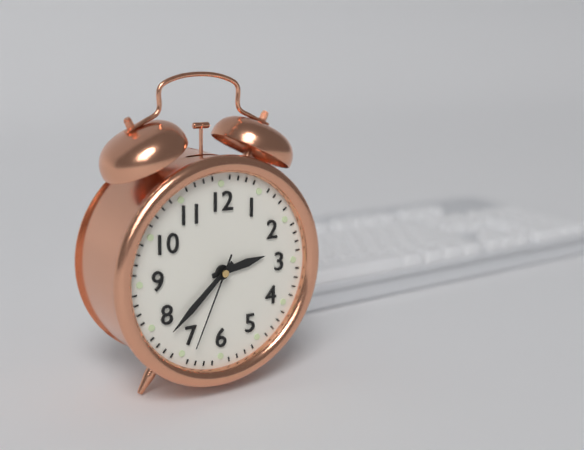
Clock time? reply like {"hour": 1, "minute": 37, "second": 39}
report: {"hour": 2, "minute": 38, "second": 34}
